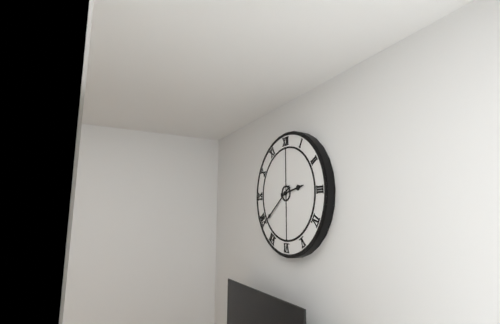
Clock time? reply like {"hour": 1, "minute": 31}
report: {"hour": 2, "minute": 39}
